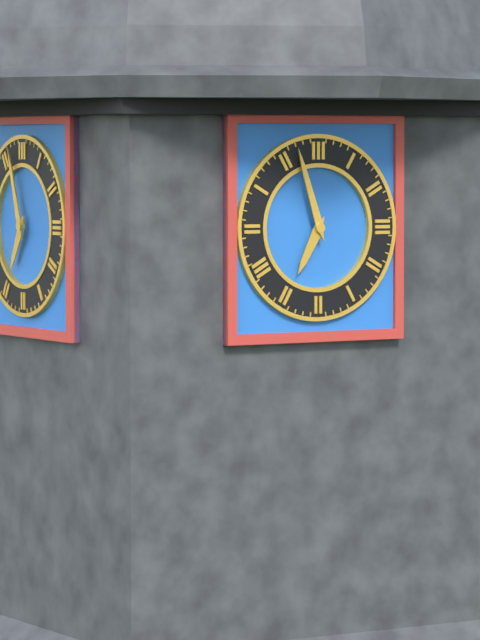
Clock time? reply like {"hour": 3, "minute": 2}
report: {"hour": 6, "minute": 57}
